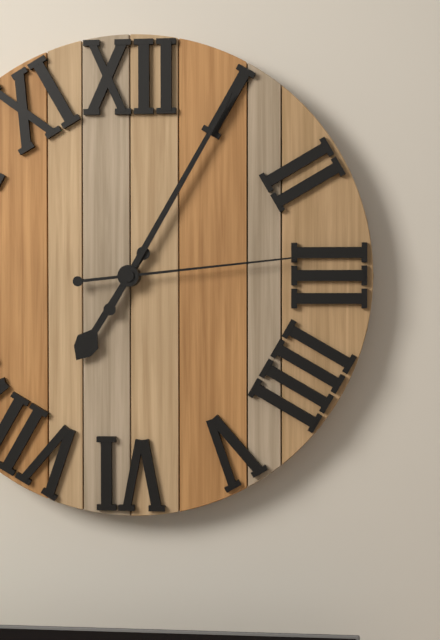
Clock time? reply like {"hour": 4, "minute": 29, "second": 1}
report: {"hour": 7, "minute": 5, "second": 14}
